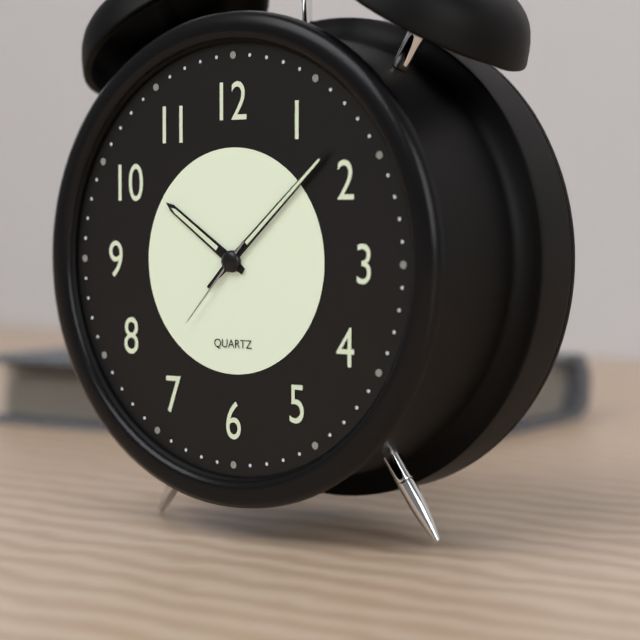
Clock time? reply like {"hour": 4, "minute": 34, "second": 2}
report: {"hour": 10, "minute": 8, "second": 37}
